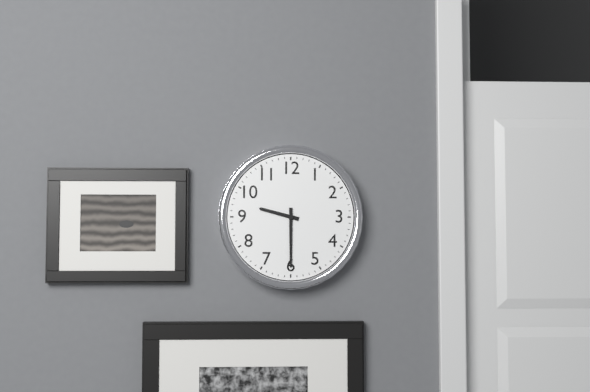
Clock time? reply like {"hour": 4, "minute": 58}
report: {"hour": 9, "minute": 30}
